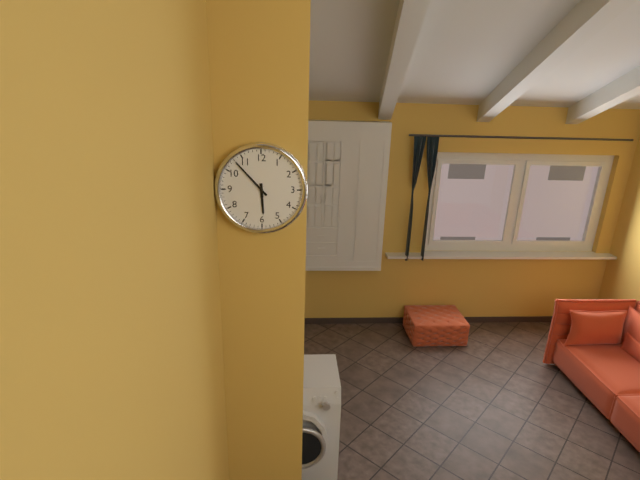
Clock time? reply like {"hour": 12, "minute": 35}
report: {"hour": 5, "minute": 53}
